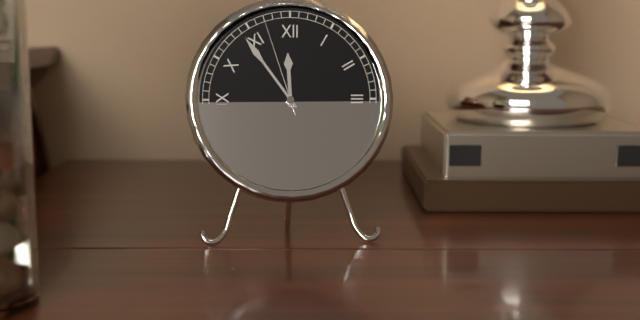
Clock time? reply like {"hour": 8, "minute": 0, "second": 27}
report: {"hour": 11, "minute": 54, "second": 57}
